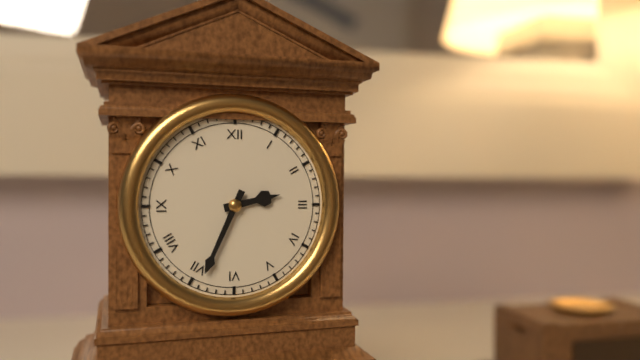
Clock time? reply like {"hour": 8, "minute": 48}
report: {"hour": 2, "minute": 34}
